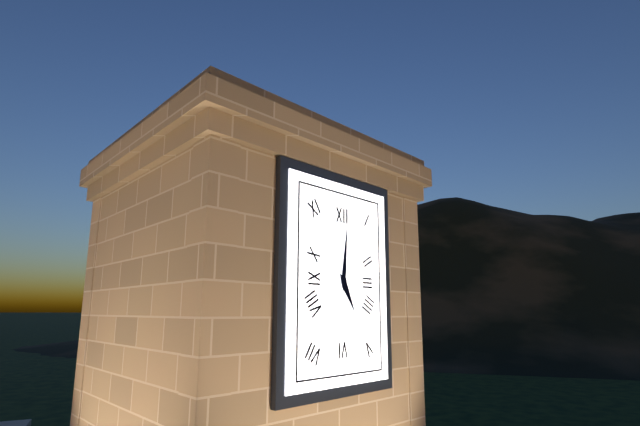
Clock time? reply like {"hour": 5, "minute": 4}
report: {"hour": 5, "minute": 1}
